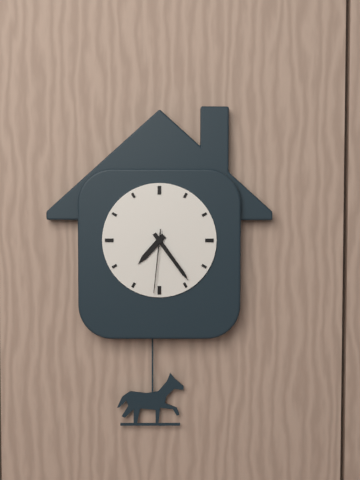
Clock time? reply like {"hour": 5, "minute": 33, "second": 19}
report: {"hour": 7, "minute": 24, "second": 31}
